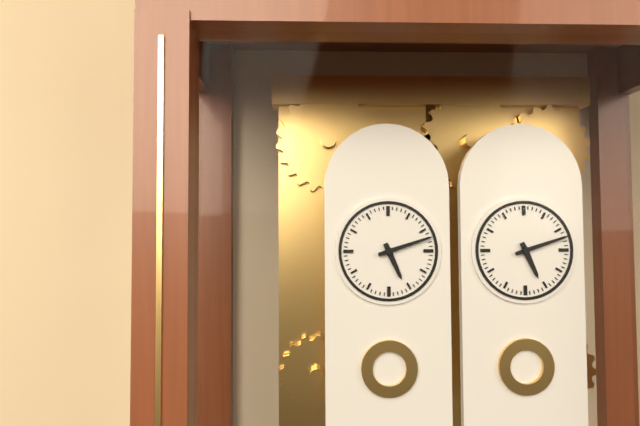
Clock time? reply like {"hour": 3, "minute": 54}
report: {"hour": 5, "minute": 12}
